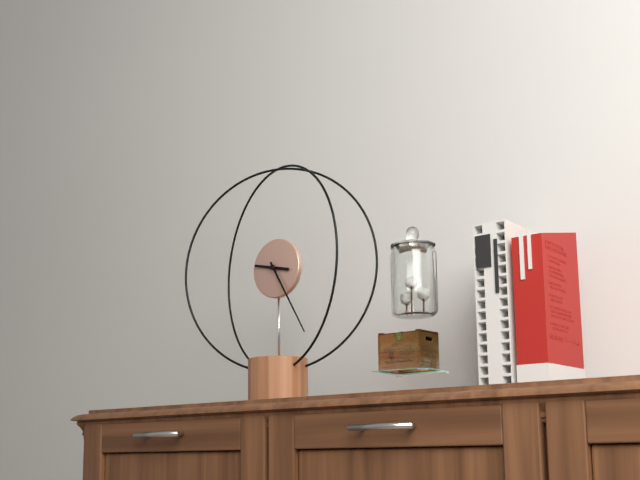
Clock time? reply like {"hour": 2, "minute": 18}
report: {"hour": 9, "minute": 25}
